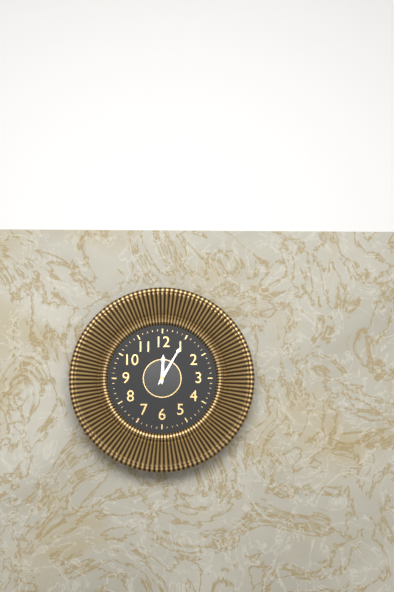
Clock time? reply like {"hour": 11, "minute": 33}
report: {"hour": 12, "minute": 5}
